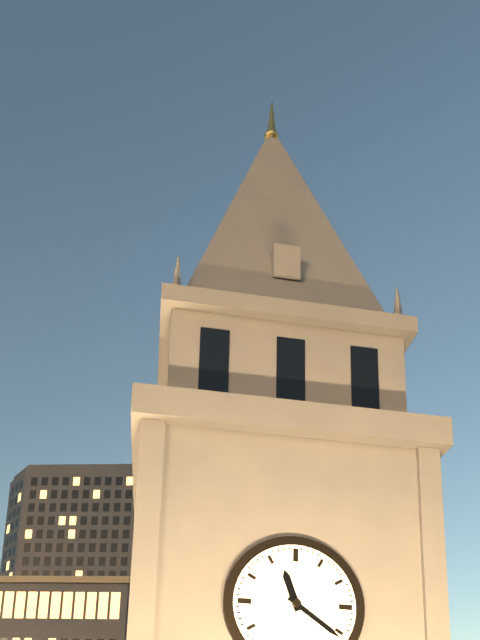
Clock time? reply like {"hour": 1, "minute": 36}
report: {"hour": 11, "minute": 21}
